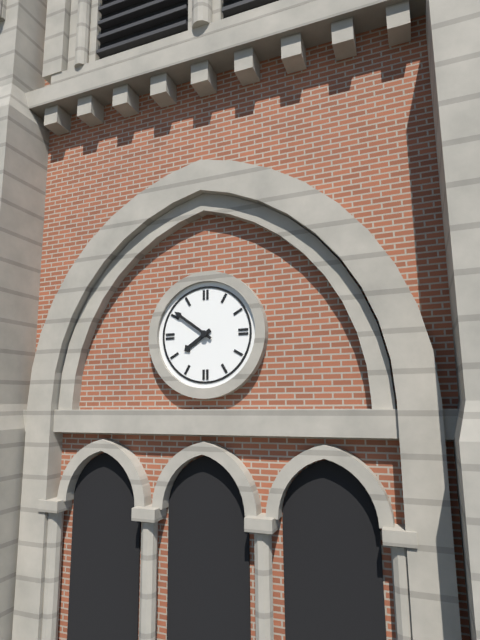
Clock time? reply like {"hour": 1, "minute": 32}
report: {"hour": 7, "minute": 51}
